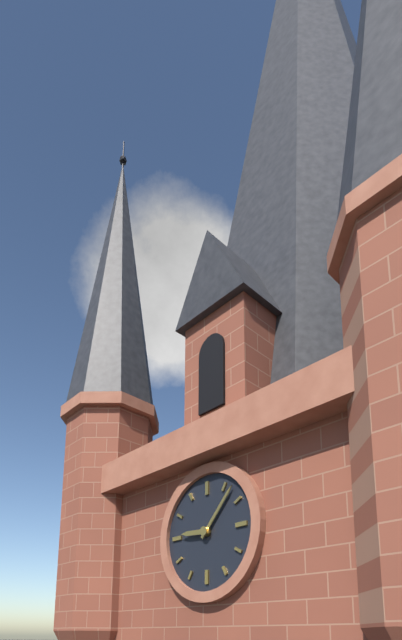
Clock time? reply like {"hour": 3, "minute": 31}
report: {"hour": 9, "minute": 7}
